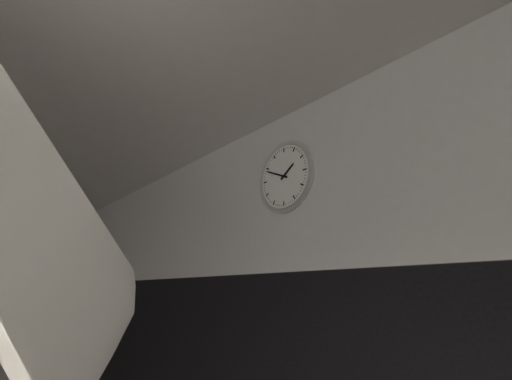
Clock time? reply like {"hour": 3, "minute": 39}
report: {"hour": 1, "minute": 49}
